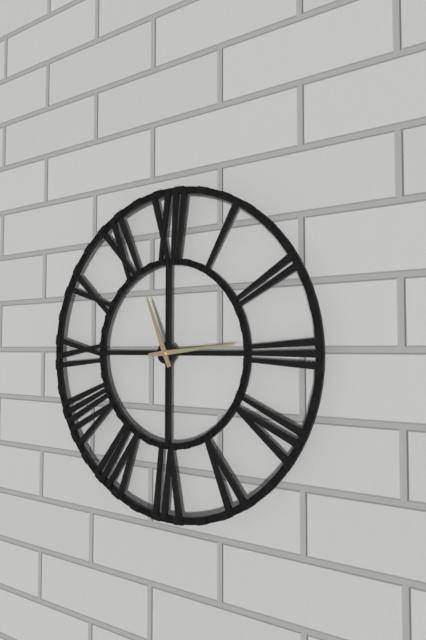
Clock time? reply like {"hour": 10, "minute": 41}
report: {"hour": 11, "minute": 14}
